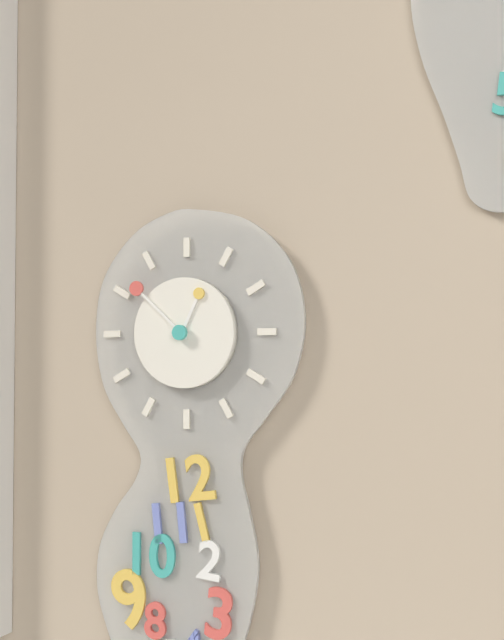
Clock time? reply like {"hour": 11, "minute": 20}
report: {"hour": 12, "minute": 52}
